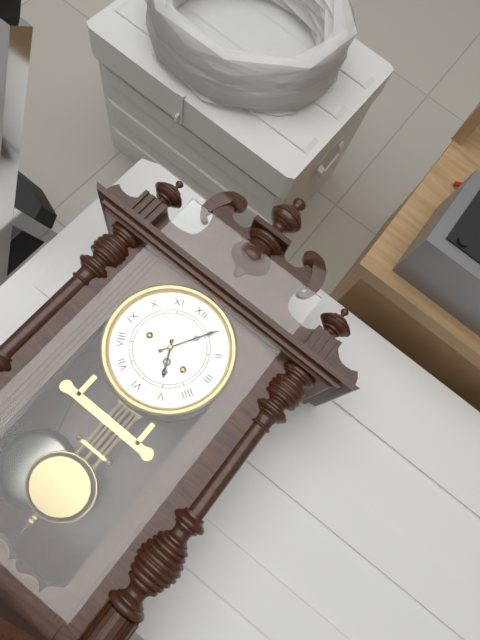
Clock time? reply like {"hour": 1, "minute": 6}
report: {"hour": 5, "minute": 5}
